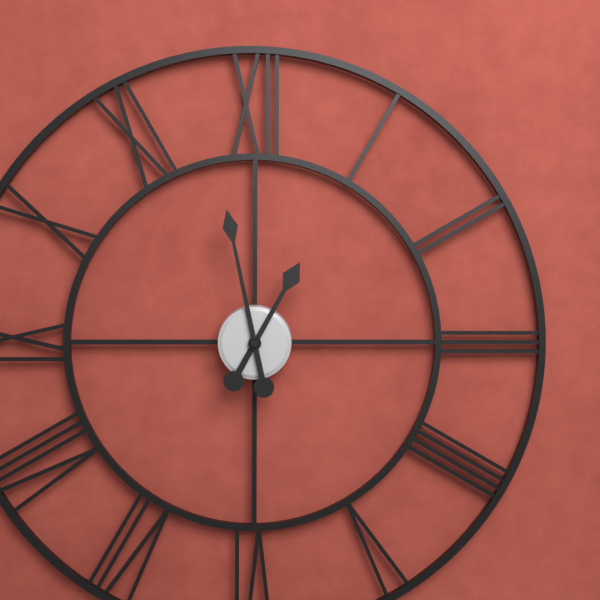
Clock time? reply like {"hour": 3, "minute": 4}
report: {"hour": 12, "minute": 58}
